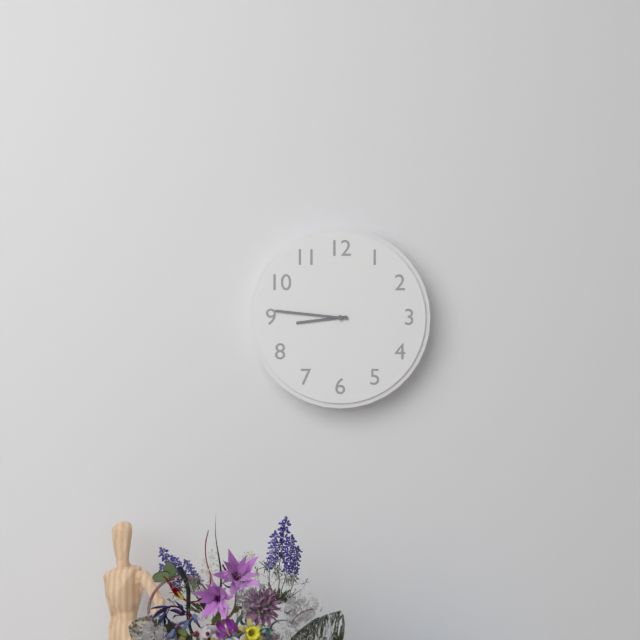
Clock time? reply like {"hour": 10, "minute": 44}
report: {"hour": 8, "minute": 46}
